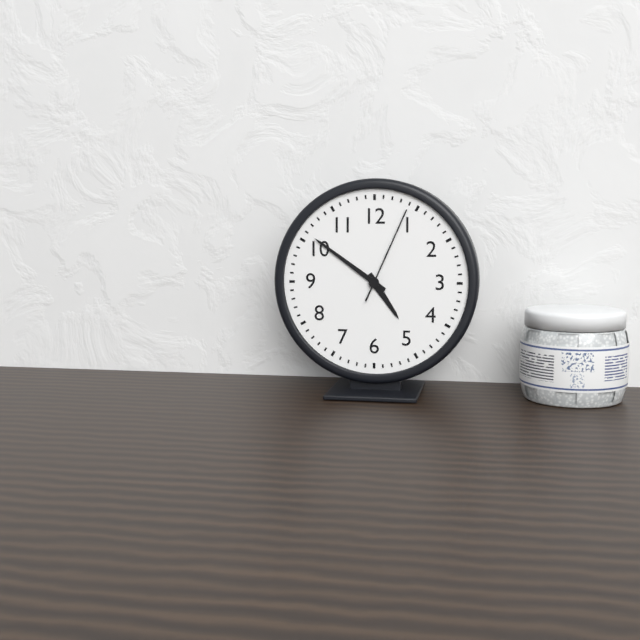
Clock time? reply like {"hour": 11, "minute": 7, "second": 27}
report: {"hour": 4, "minute": 51, "second": 4}
